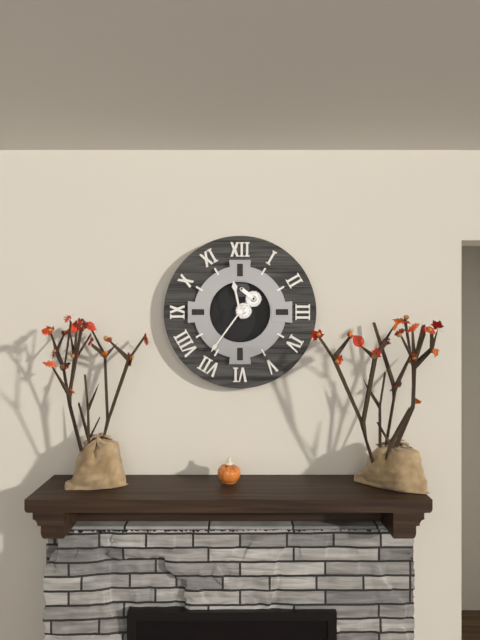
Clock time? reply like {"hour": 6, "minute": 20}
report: {"hour": 11, "minute": 36}
